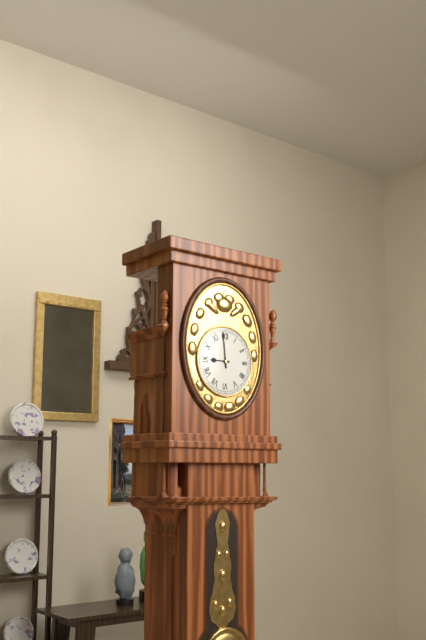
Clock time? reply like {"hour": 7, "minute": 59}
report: {"hour": 8, "minute": 59}
